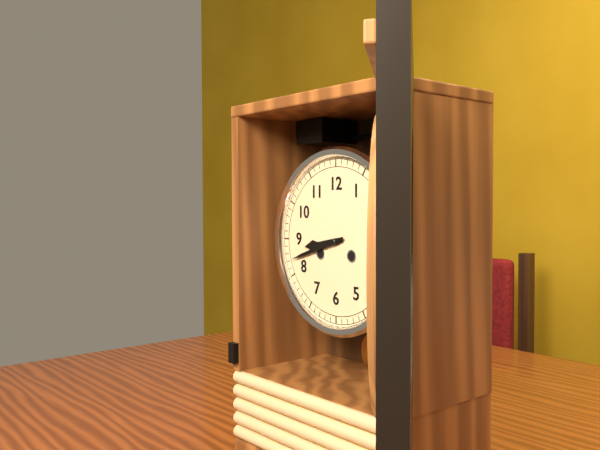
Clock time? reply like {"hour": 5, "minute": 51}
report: {"hour": 8, "minute": 42}
